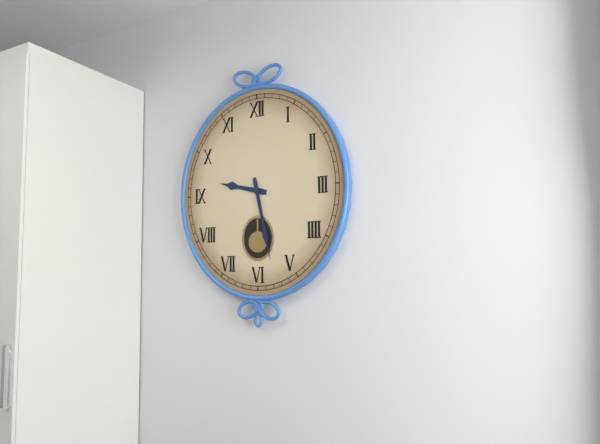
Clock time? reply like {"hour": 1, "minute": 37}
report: {"hour": 9, "minute": 28}
